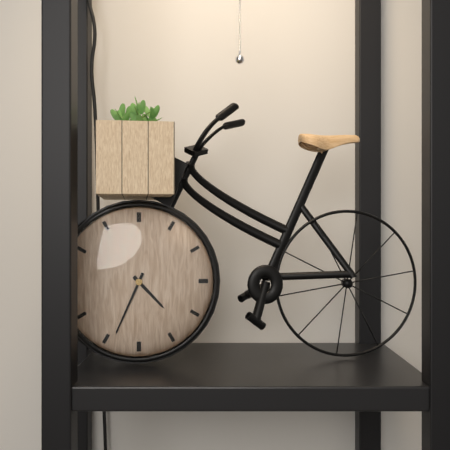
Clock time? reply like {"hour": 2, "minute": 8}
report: {"hour": 4, "minute": 34}
